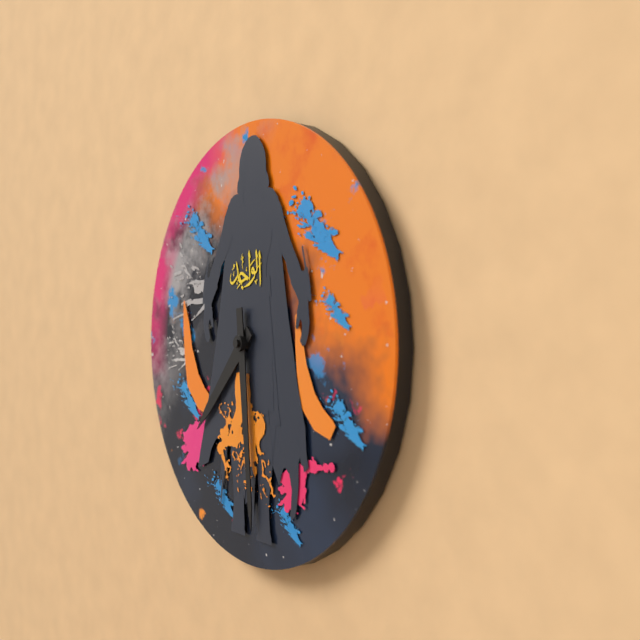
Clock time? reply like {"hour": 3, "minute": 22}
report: {"hour": 7, "minute": 29}
